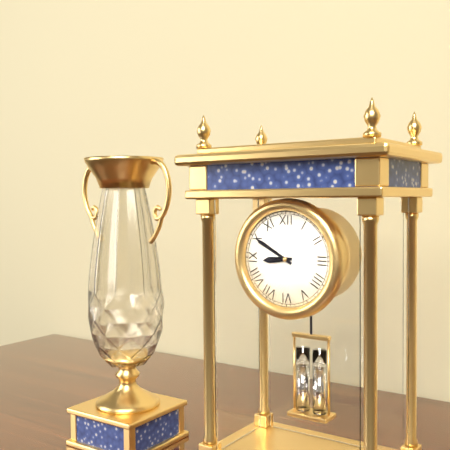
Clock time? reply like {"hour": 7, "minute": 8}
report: {"hour": 8, "minute": 50}
